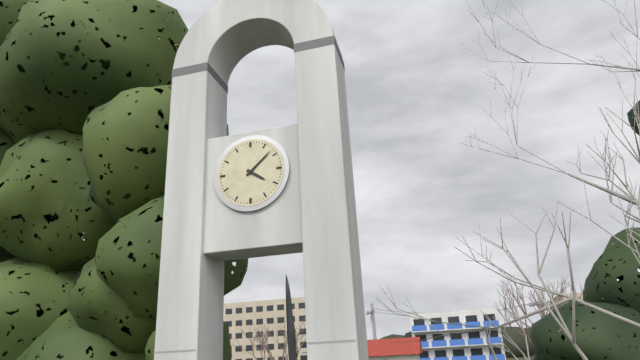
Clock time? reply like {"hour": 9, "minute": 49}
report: {"hour": 4, "minute": 8}
